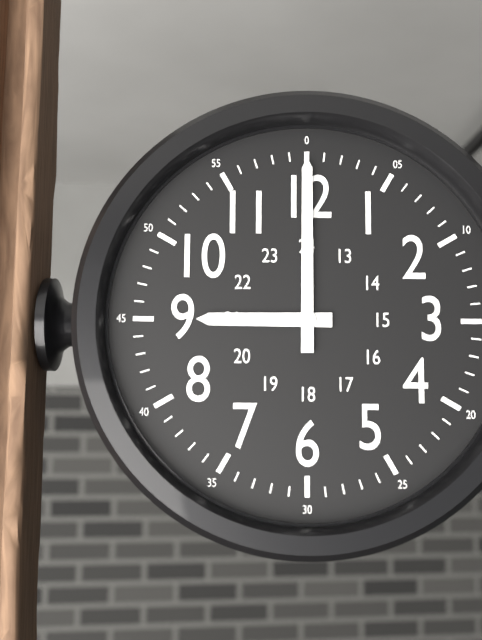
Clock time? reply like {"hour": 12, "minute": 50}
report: {"hour": 9, "minute": 0}
